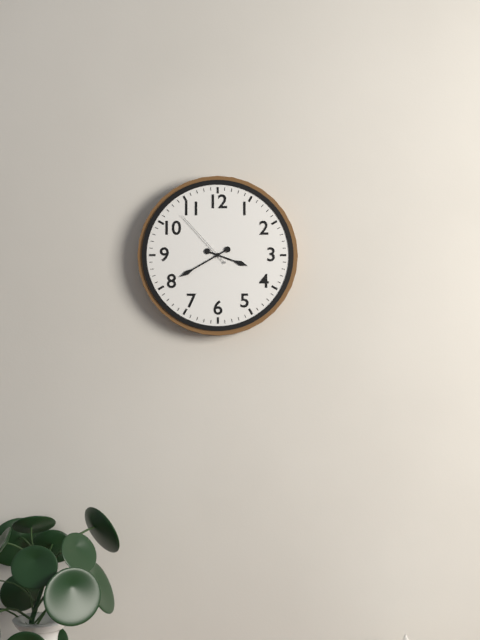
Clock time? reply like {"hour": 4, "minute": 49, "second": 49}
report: {"hour": 3, "minute": 40, "second": 53}
